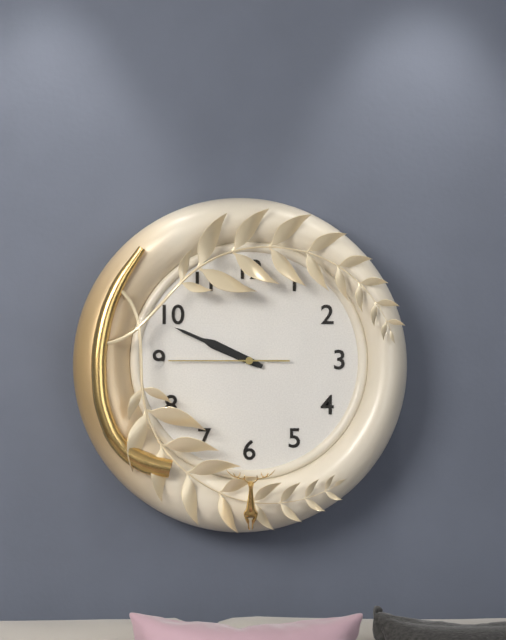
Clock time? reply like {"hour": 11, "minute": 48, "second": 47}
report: {"hour": 9, "minute": 49, "second": 45}
